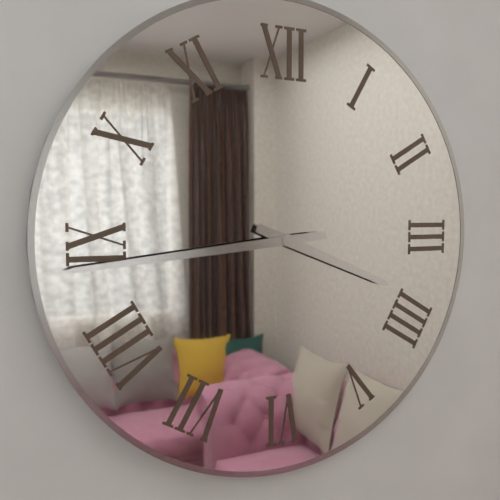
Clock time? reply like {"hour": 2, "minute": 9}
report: {"hour": 3, "minute": 44}
